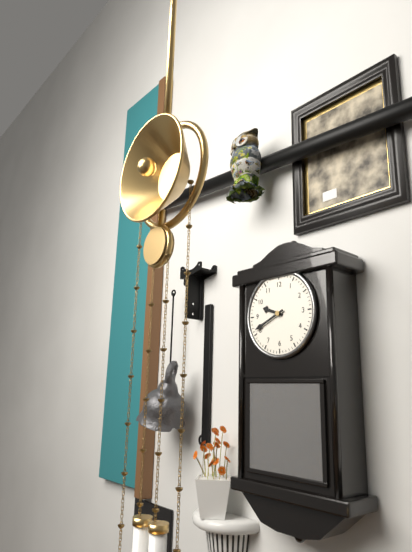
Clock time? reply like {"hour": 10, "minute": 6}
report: {"hour": 9, "minute": 41}
